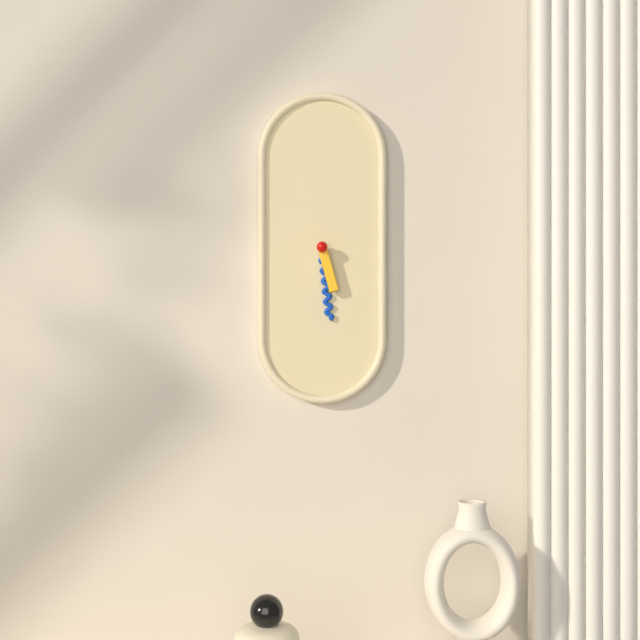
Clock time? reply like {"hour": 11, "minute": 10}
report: {"hour": 5, "minute": 29}
